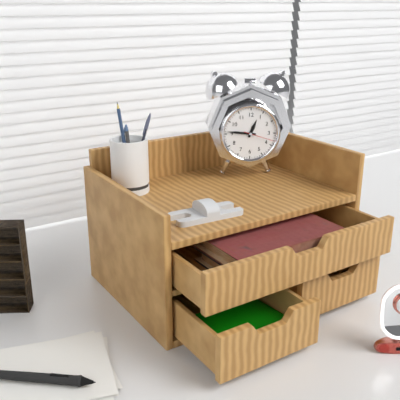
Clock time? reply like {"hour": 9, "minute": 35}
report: {"hour": 12, "minute": 46}
